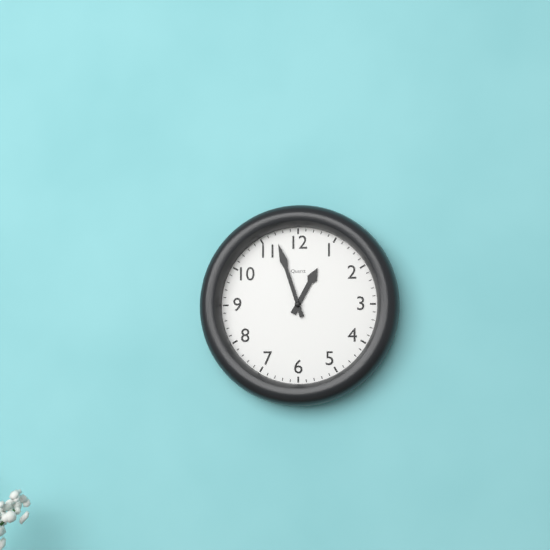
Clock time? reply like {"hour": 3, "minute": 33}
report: {"hour": 12, "minute": 57}
